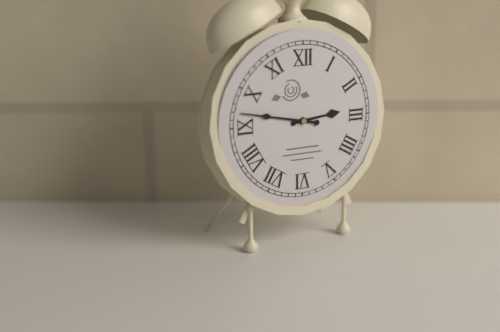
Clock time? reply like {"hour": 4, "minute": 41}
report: {"hour": 2, "minute": 47}
